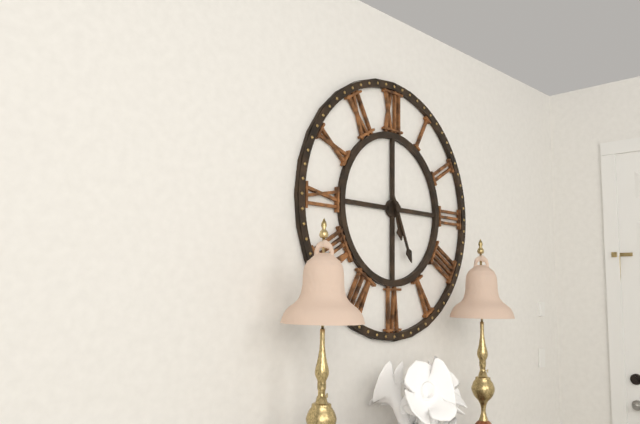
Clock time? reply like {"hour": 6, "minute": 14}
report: {"hour": 5, "minute": 26}
